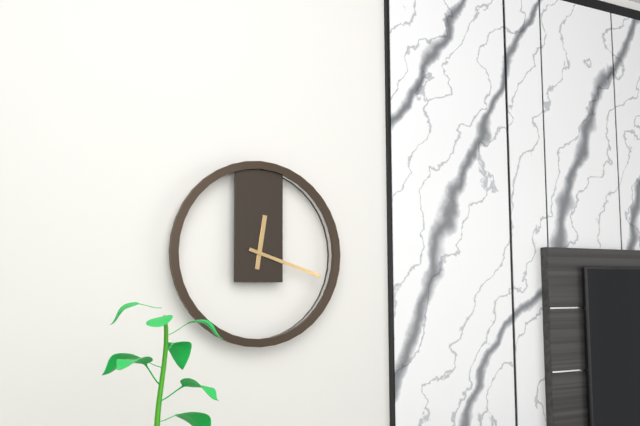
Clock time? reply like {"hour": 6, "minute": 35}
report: {"hour": 12, "minute": 18}
